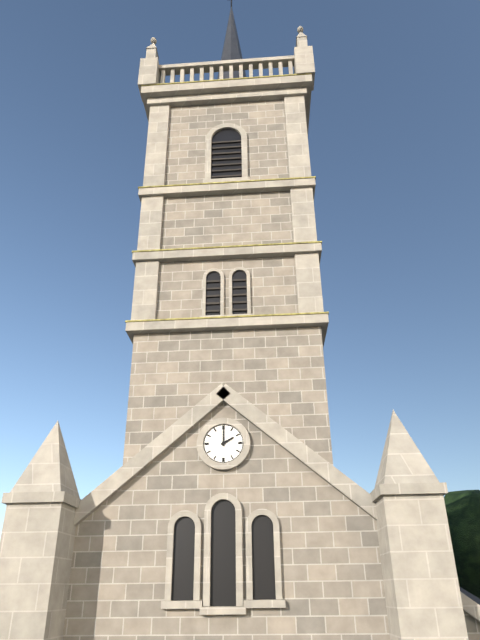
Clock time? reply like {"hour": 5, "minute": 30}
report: {"hour": 2, "minute": 0}
